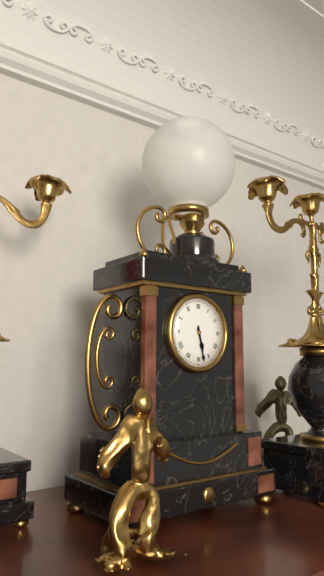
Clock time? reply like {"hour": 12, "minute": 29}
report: {"hour": 5, "minute": 28}
